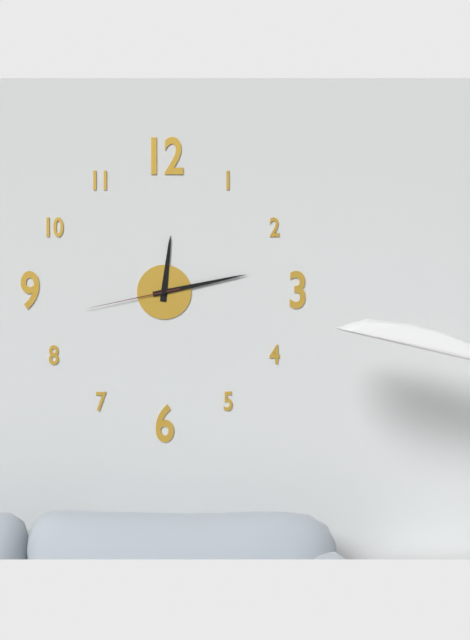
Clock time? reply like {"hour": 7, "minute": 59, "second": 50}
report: {"hour": 12, "minute": 13, "second": 43}
